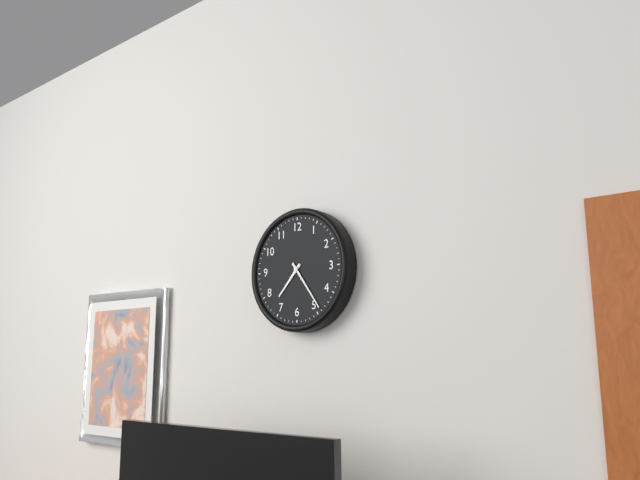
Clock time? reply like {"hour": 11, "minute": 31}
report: {"hour": 7, "minute": 24}
